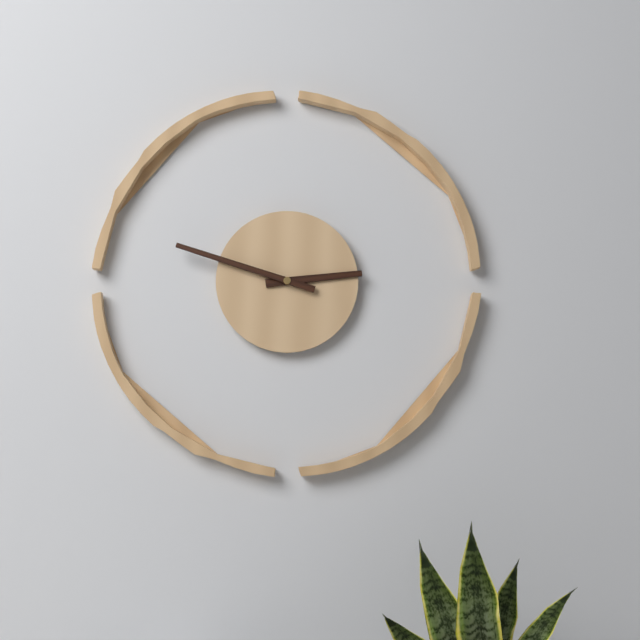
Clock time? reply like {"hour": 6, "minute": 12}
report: {"hour": 2, "minute": 48}
